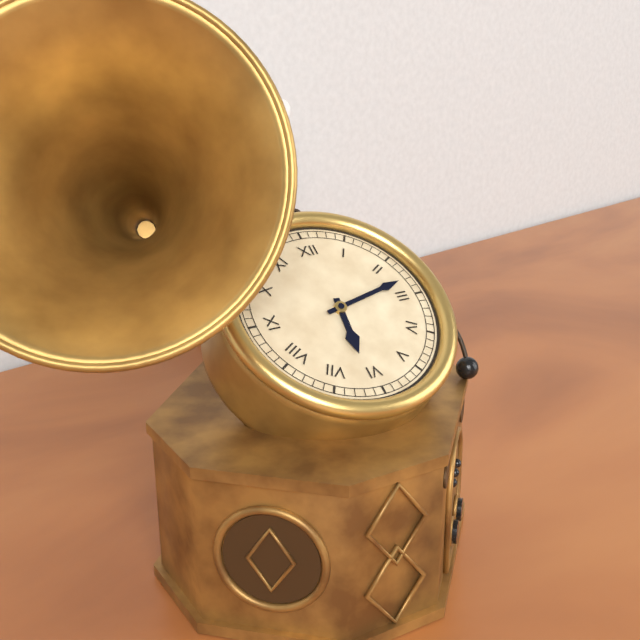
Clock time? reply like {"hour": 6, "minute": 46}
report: {"hour": 6, "minute": 13}
